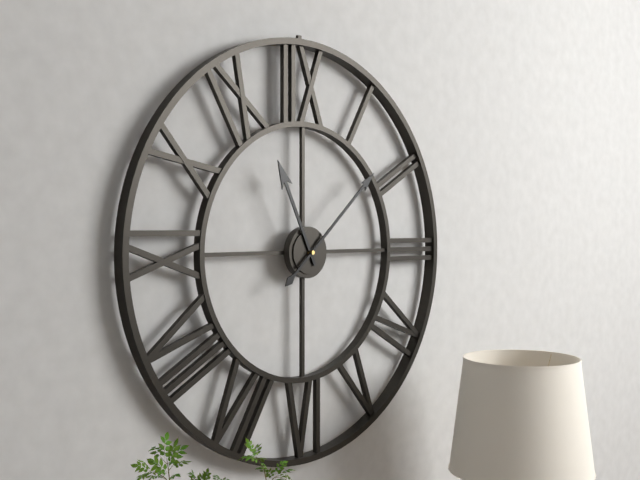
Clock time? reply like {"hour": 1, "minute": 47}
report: {"hour": 11, "minute": 8}
